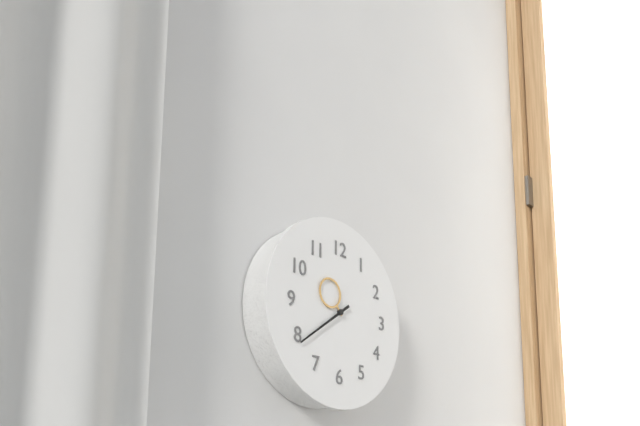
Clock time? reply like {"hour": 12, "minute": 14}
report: {"hour": 10, "minute": 39}
